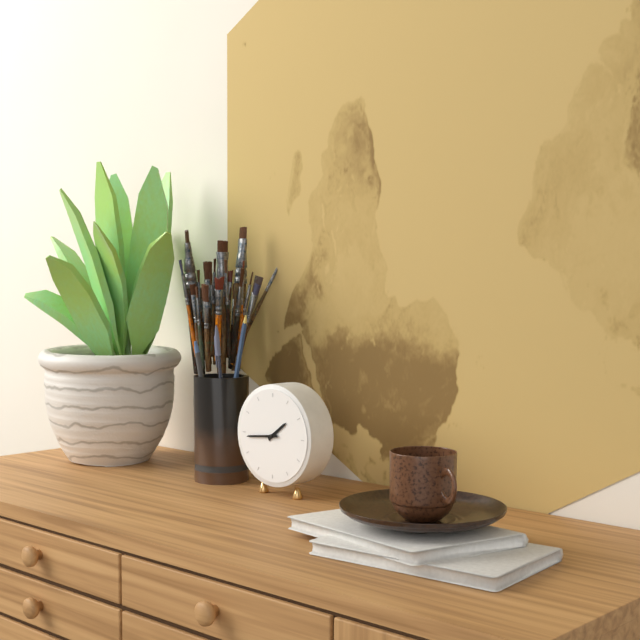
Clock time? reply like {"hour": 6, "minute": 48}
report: {"hour": 1, "minute": 44}
